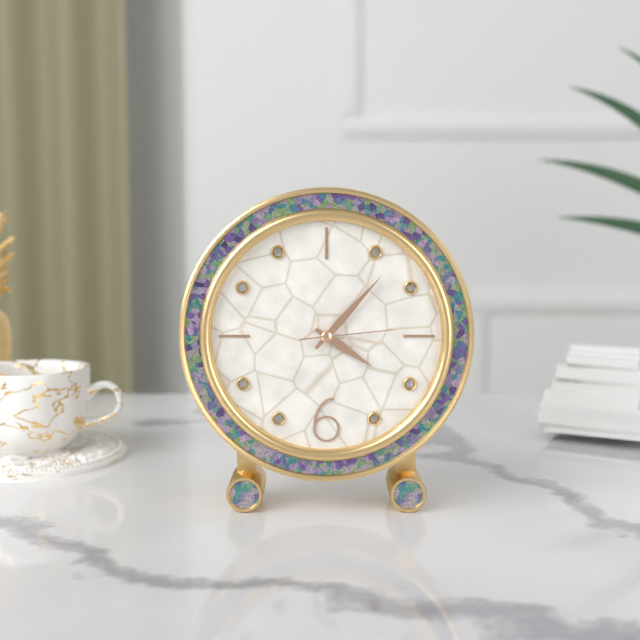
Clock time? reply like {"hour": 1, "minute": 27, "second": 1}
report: {"hour": 4, "minute": 7, "second": 14}
